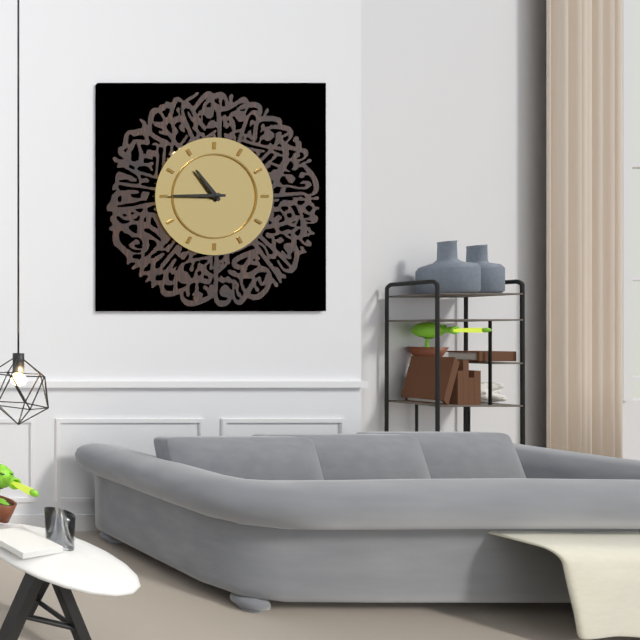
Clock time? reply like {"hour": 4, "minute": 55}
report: {"hour": 10, "minute": 45}
